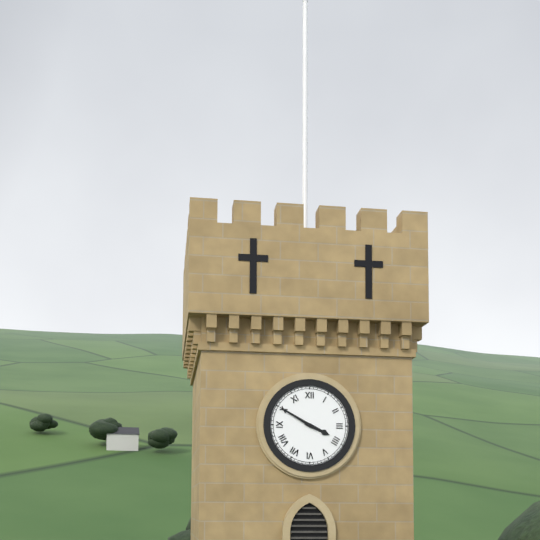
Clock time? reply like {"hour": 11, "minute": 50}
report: {"hour": 3, "minute": 50}
